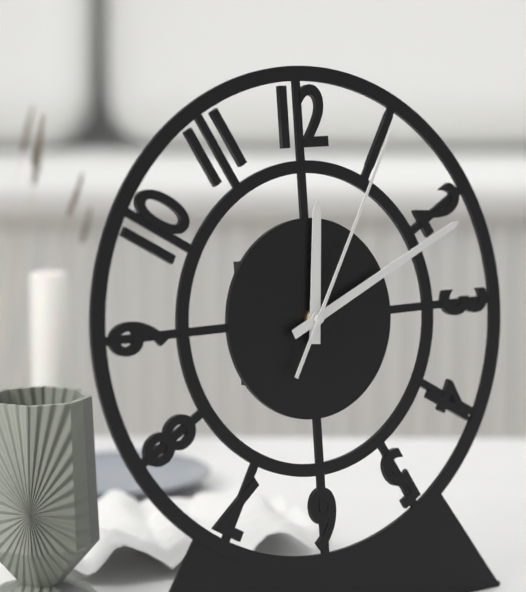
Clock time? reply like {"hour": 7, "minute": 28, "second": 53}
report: {"hour": 12, "minute": 11, "second": 5}
